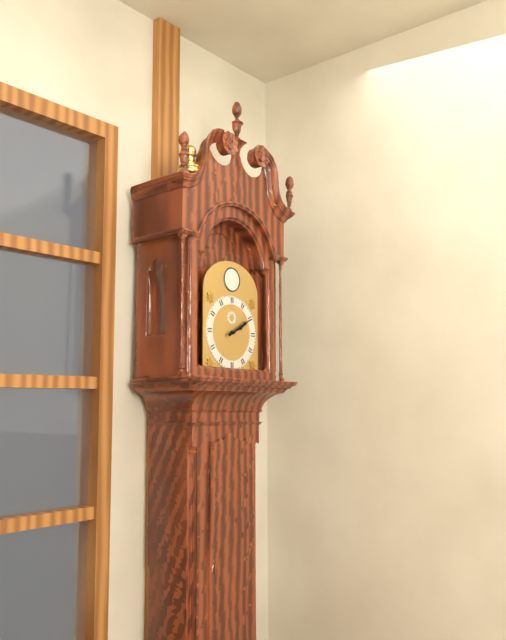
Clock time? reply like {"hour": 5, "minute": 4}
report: {"hour": 2, "minute": 10}
